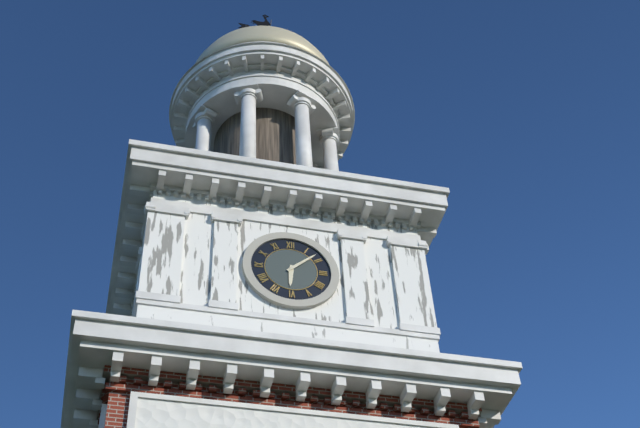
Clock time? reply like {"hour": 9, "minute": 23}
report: {"hour": 6, "minute": 8}
